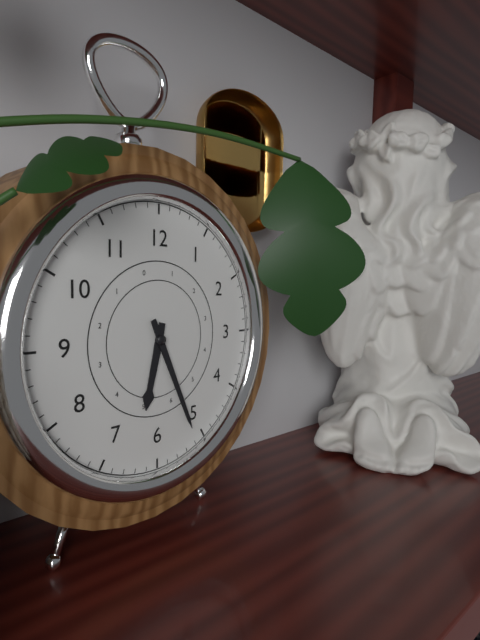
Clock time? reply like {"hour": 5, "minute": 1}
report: {"hour": 6, "minute": 26}
